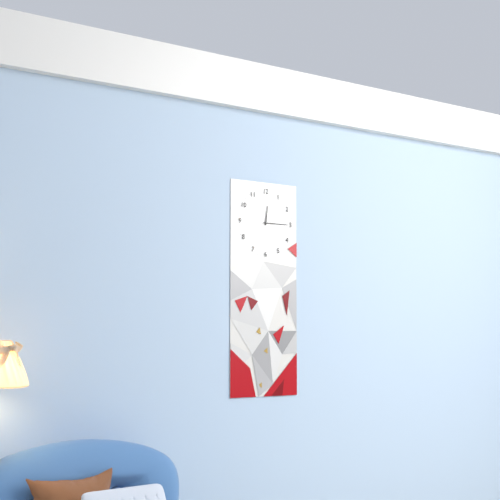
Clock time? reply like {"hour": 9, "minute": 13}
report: {"hour": 12, "minute": 15}
